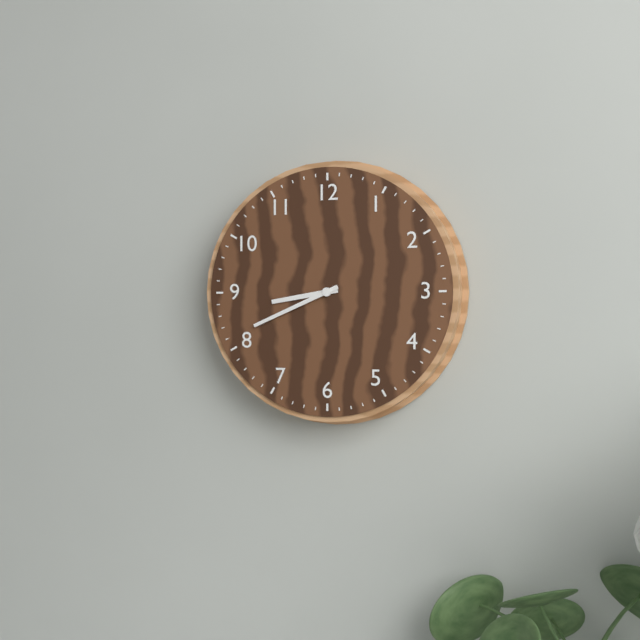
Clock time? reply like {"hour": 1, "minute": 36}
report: {"hour": 8, "minute": 41}
